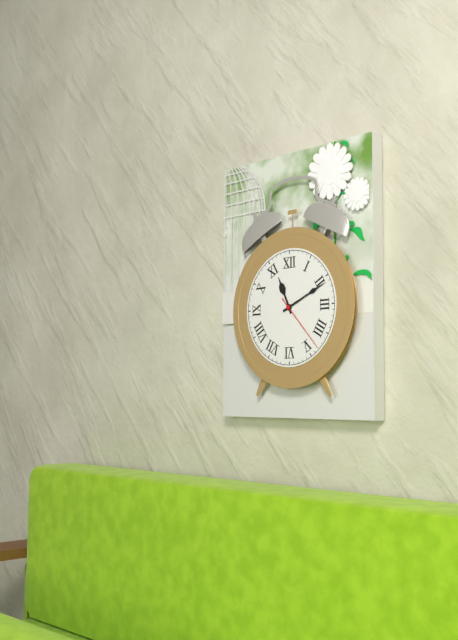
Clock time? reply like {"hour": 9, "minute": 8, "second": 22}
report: {"hour": 11, "minute": 11, "second": 23}
